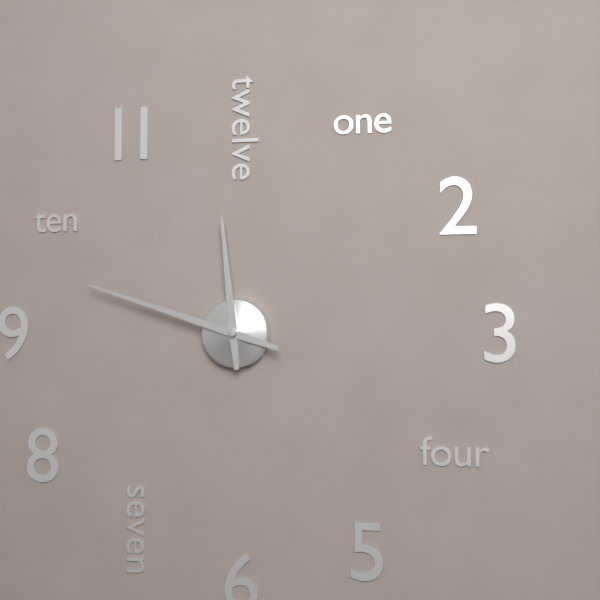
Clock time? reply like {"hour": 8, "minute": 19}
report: {"hour": 11, "minute": 48}
